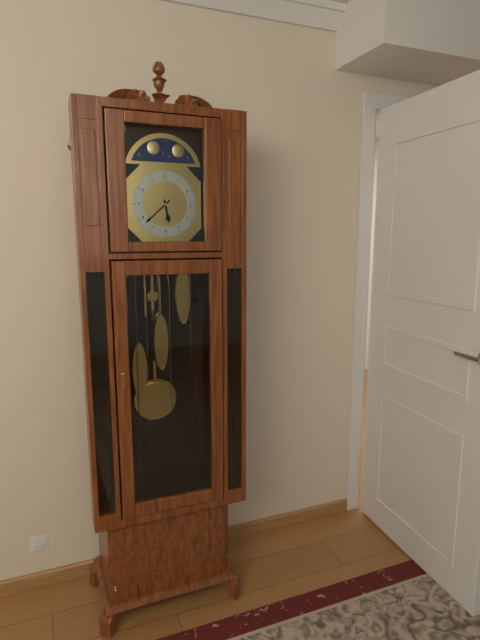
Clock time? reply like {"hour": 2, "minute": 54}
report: {"hour": 5, "minute": 38}
